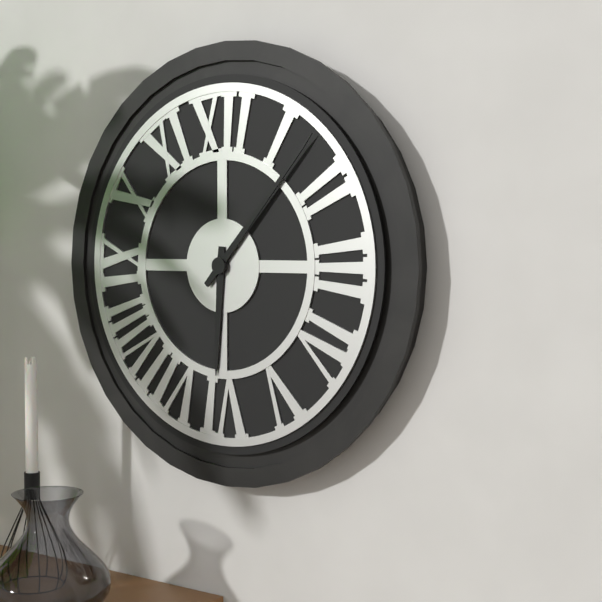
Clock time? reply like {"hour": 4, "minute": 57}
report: {"hour": 6, "minute": 7}
